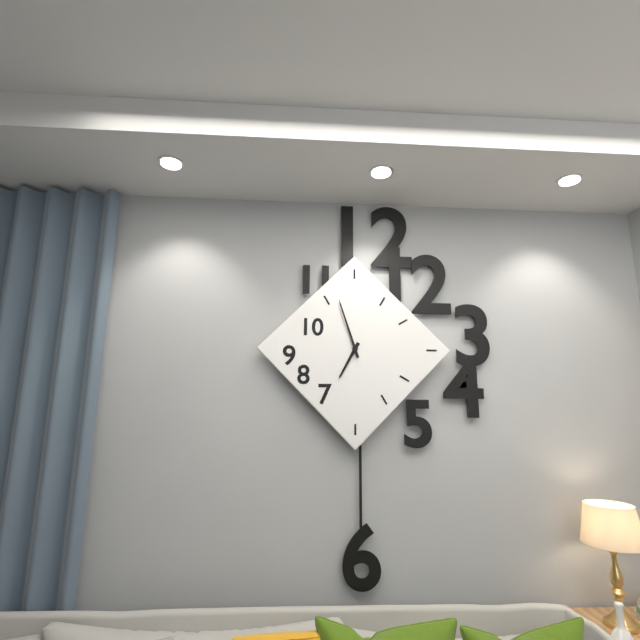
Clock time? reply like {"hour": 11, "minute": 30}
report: {"hour": 6, "minute": 57}
